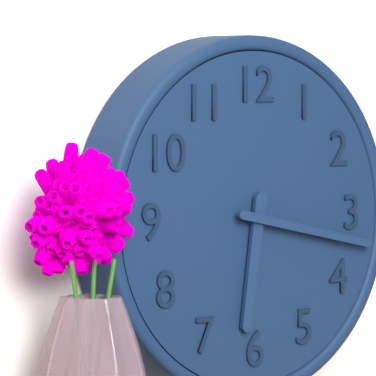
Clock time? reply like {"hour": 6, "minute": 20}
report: {"hour": 6, "minute": 17}
